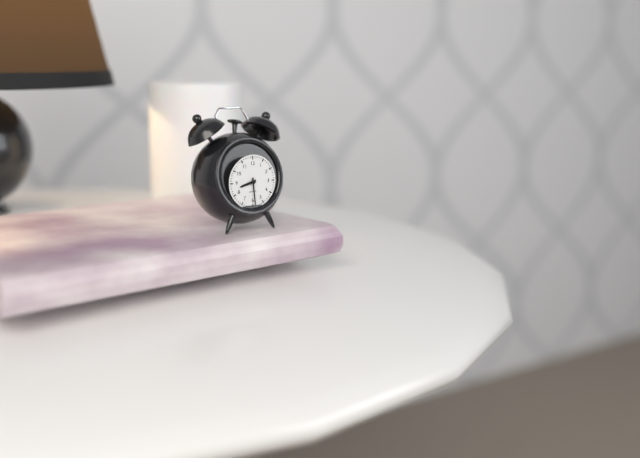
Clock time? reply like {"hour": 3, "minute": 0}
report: {"hour": 8, "minute": 29}
